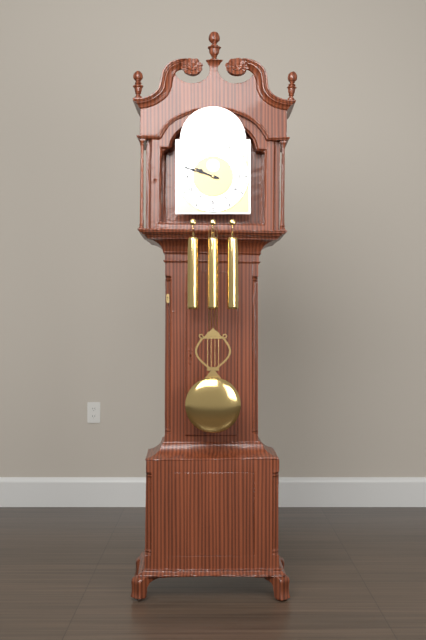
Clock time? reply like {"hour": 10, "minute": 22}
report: {"hour": 9, "minute": 48}
